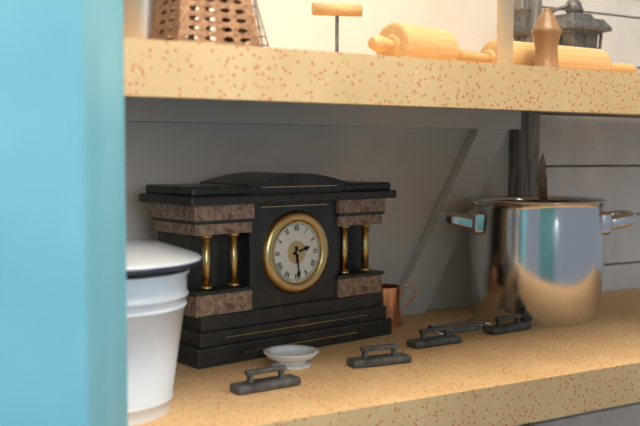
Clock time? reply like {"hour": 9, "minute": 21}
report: {"hour": 2, "minute": 29}
